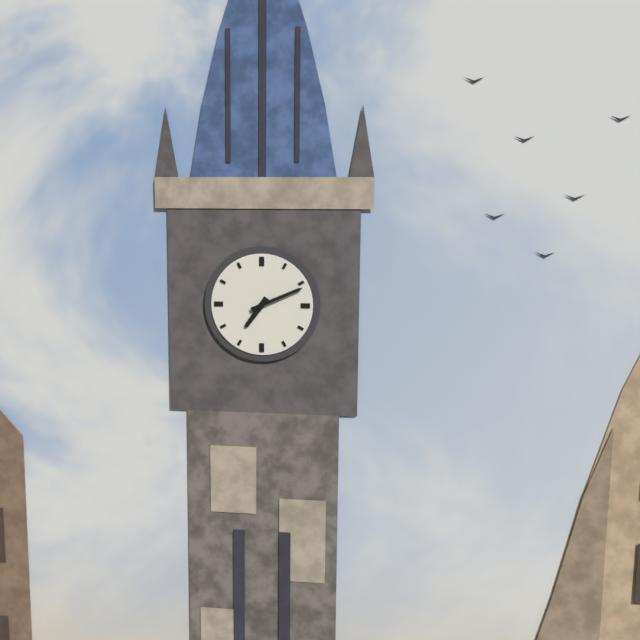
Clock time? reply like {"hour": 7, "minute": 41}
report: {"hour": 7, "minute": 11}
